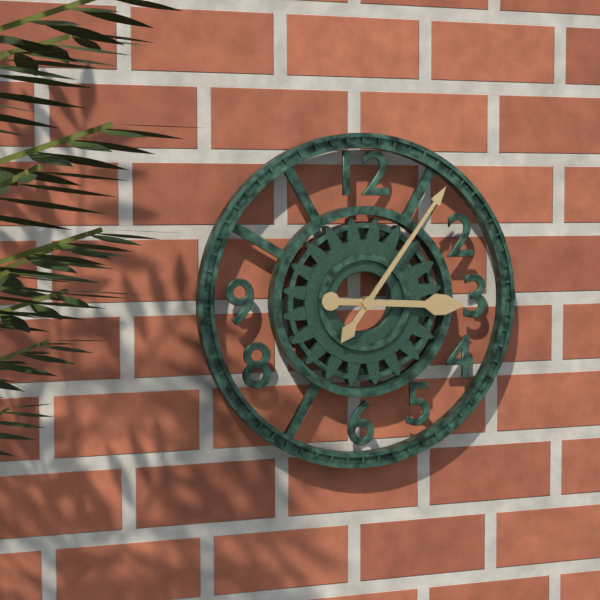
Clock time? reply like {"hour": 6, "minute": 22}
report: {"hour": 3, "minute": 6}
